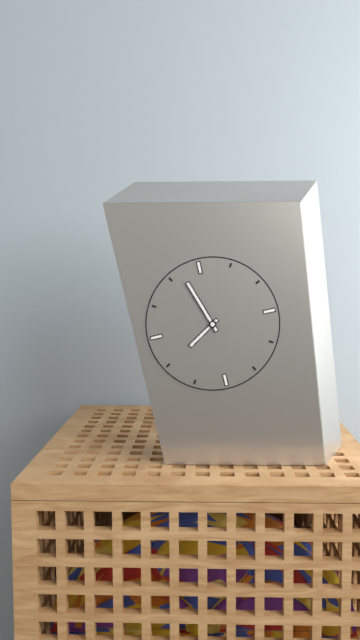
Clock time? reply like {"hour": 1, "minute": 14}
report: {"hour": 7, "minute": 57}
